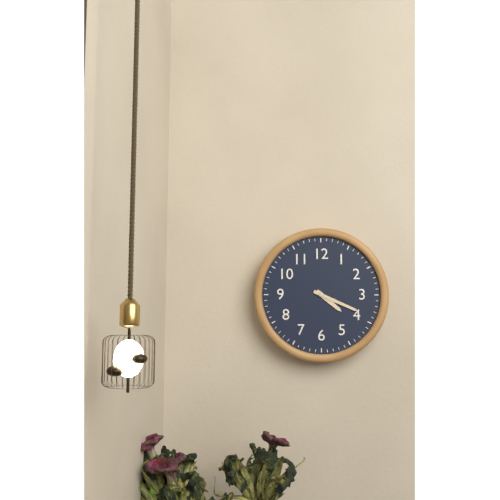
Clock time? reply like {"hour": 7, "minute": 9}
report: {"hour": 4, "minute": 19}
